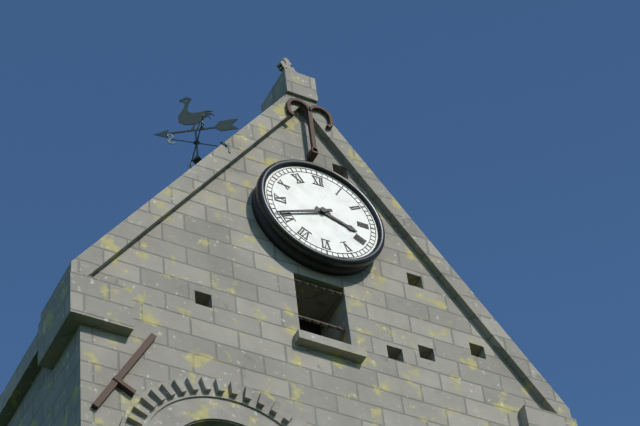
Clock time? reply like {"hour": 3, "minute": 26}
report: {"hour": 3, "minute": 41}
